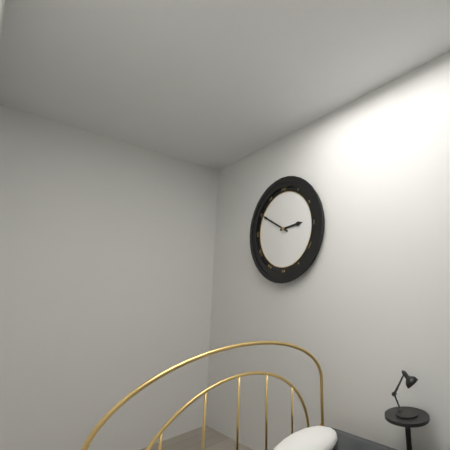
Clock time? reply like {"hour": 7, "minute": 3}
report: {"hour": 2, "minute": 50}
